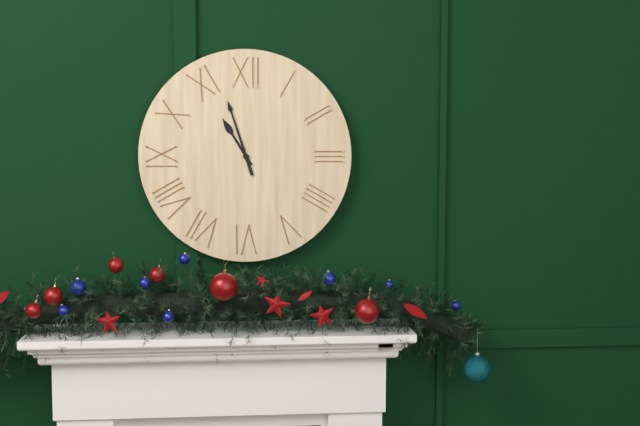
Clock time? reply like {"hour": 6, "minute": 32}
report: {"hour": 10, "minute": 57}
